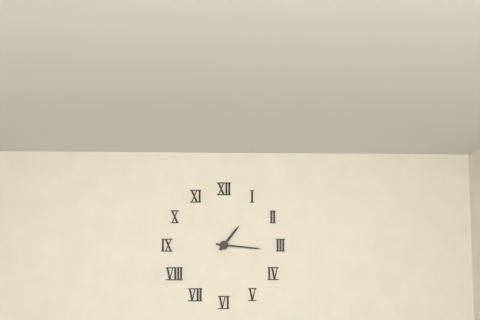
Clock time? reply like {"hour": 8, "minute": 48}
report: {"hour": 1, "minute": 16}
